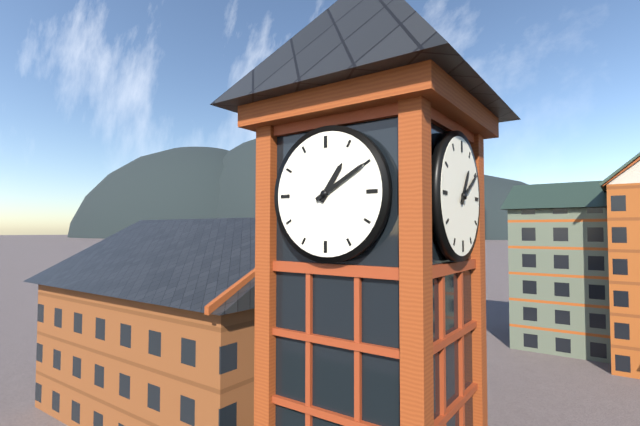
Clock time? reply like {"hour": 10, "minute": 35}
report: {"hour": 1, "minute": 10}
